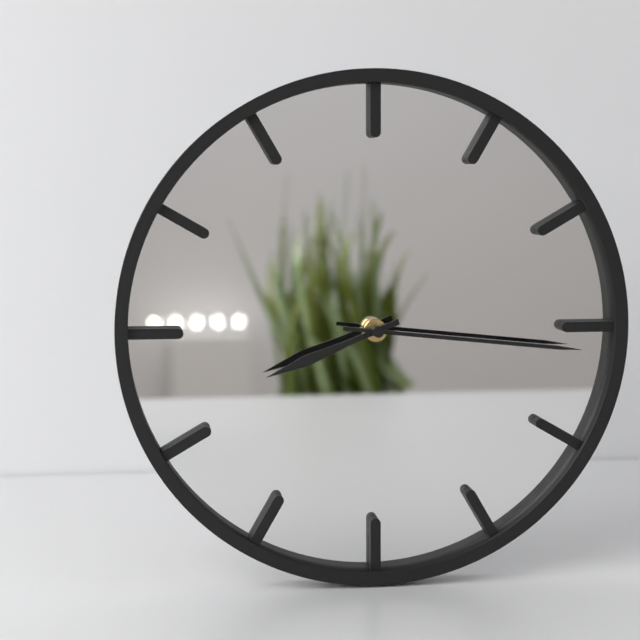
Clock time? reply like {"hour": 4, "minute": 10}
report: {"hour": 8, "minute": 16}
